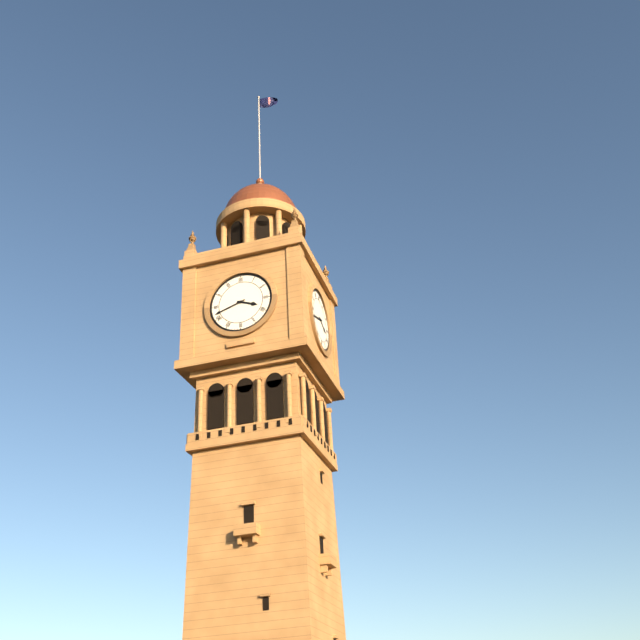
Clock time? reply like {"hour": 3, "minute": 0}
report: {"hour": 3, "minute": 42}
